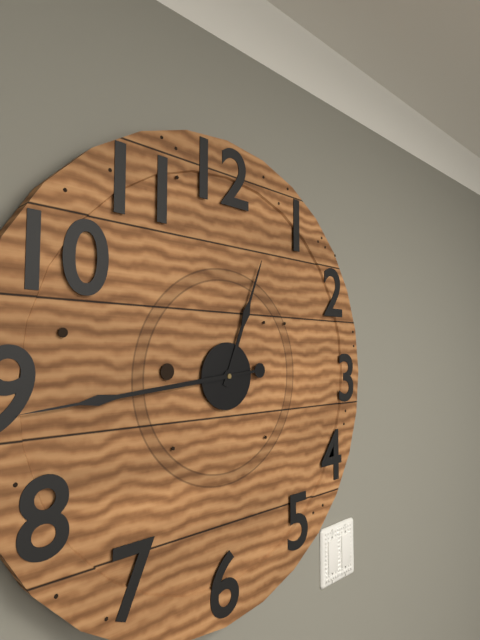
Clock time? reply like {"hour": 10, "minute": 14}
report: {"hour": 12, "minute": 44}
